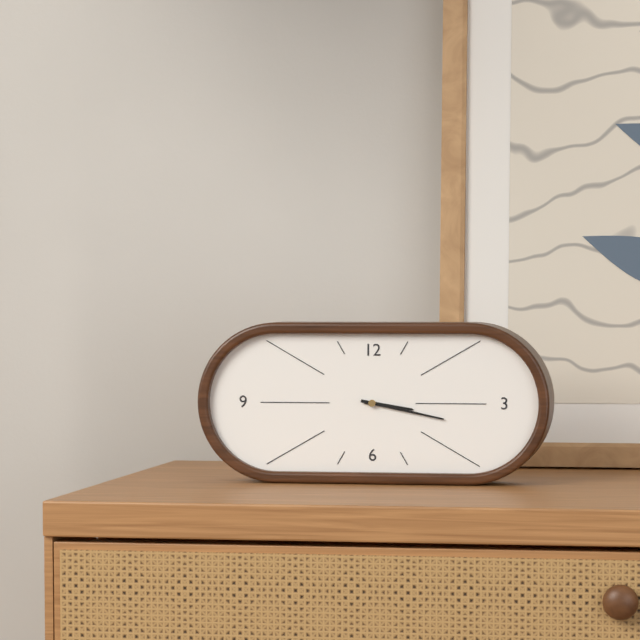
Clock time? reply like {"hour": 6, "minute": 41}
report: {"hour": 3, "minute": 17}
